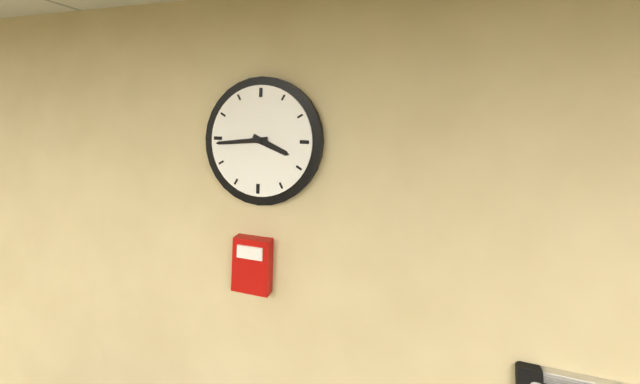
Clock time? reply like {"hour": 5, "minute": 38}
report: {"hour": 3, "minute": 44}
